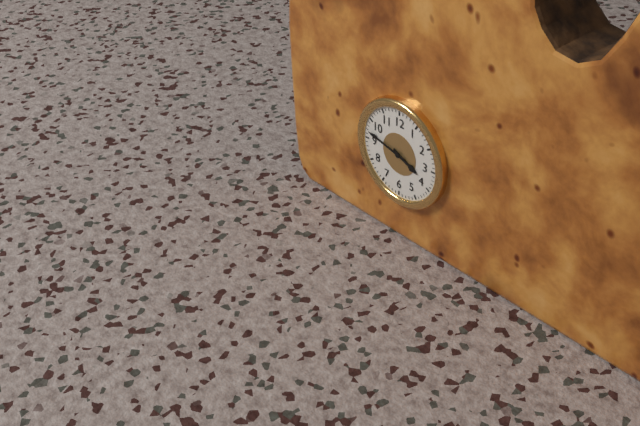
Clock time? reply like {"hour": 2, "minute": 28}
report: {"hour": 3, "minute": 47}
